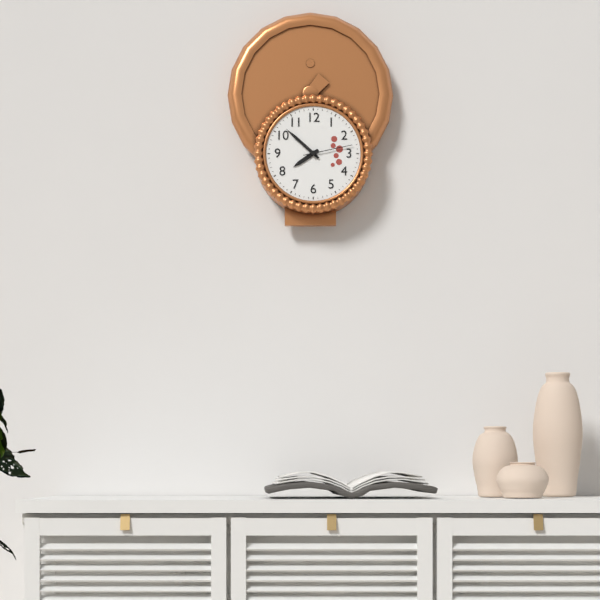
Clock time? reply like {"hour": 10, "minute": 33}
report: {"hour": 7, "minute": 52}
